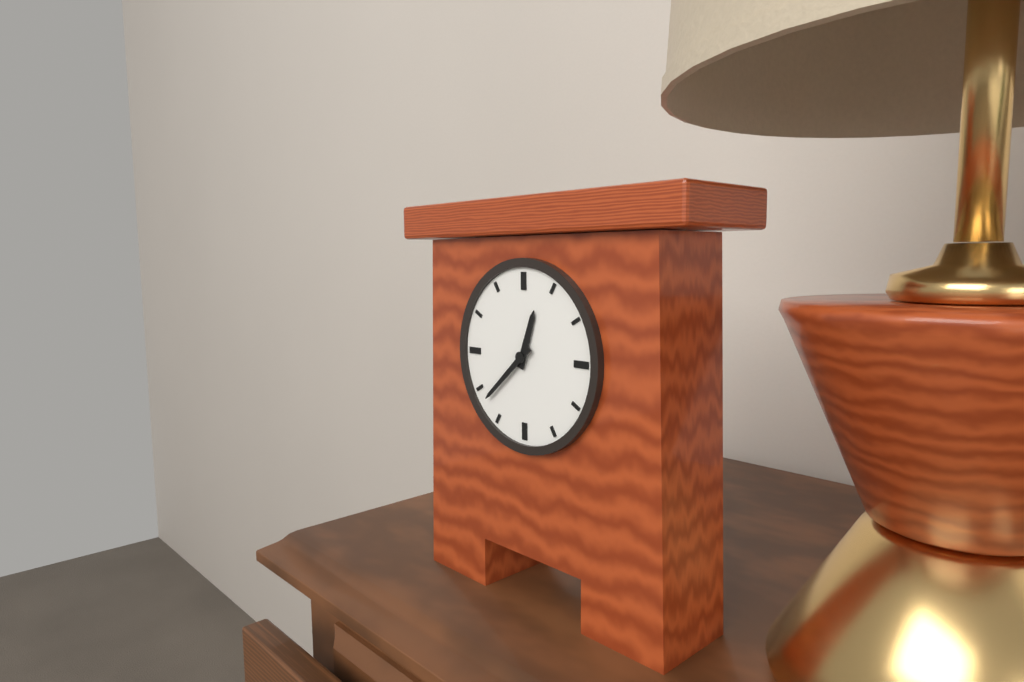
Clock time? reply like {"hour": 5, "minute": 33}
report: {"hour": 12, "minute": 38}
